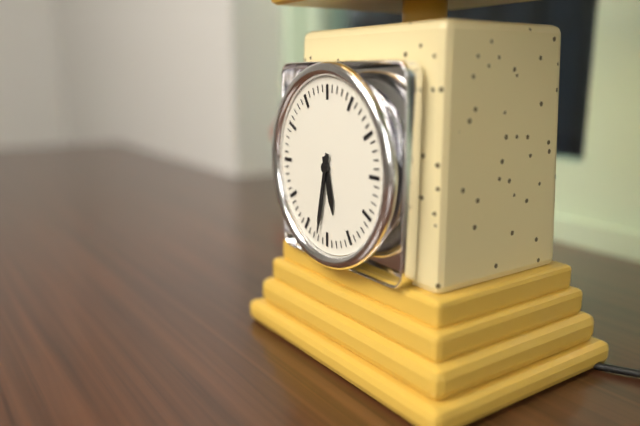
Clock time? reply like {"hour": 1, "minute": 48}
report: {"hour": 5, "minute": 32}
